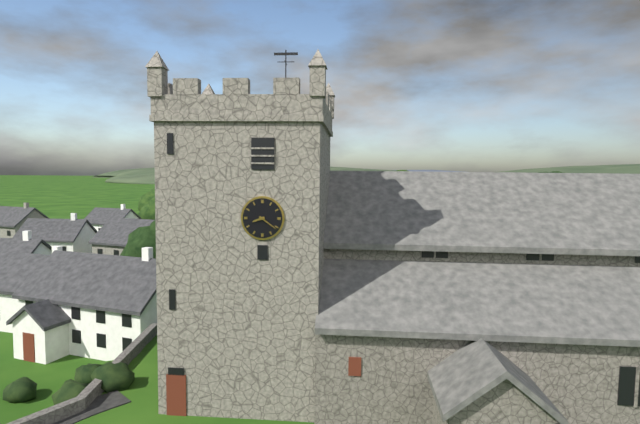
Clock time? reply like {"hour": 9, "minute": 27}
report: {"hour": 8, "minute": 21}
